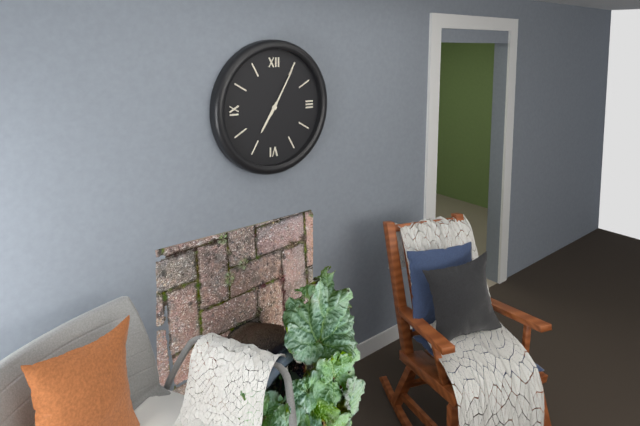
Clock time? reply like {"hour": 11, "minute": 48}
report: {"hour": 7, "minute": 5}
